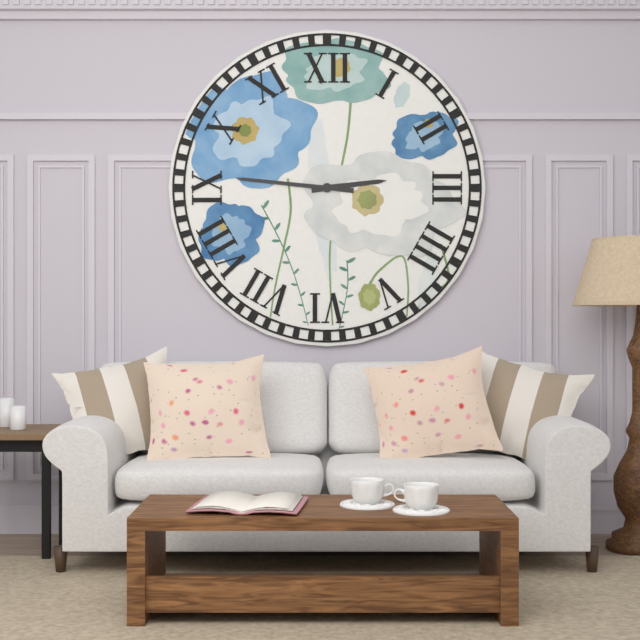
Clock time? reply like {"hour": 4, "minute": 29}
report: {"hour": 2, "minute": 46}
